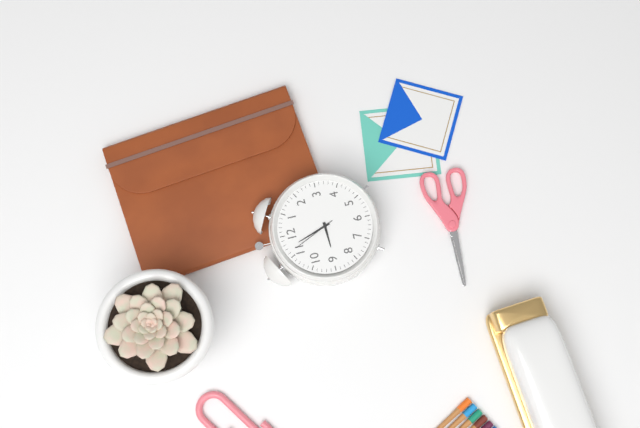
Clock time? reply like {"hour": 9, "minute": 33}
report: {"hour": 8, "minute": 57}
